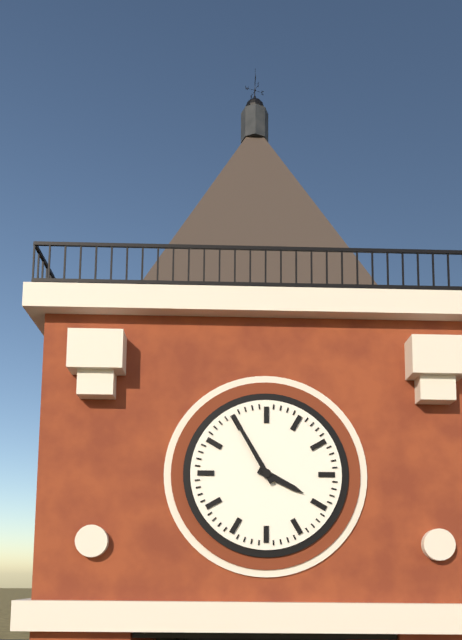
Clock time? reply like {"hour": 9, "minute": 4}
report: {"hour": 3, "minute": 55}
